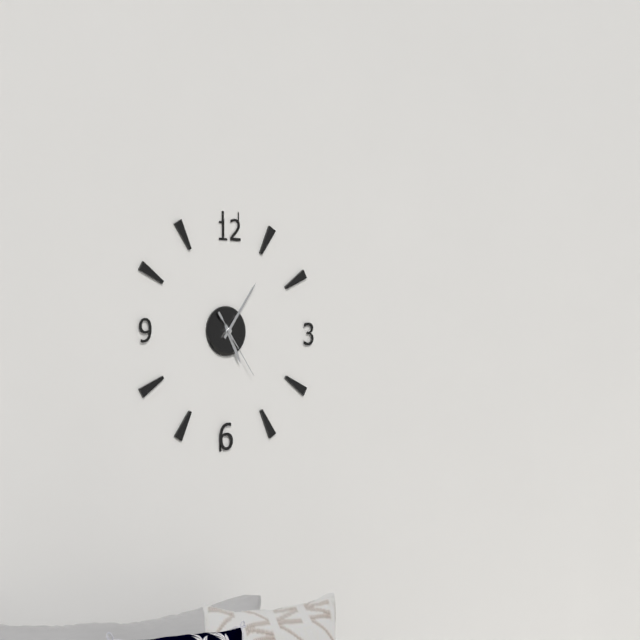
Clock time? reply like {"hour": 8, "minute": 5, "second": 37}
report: {"hour": 5, "minute": 6, "second": 24}
